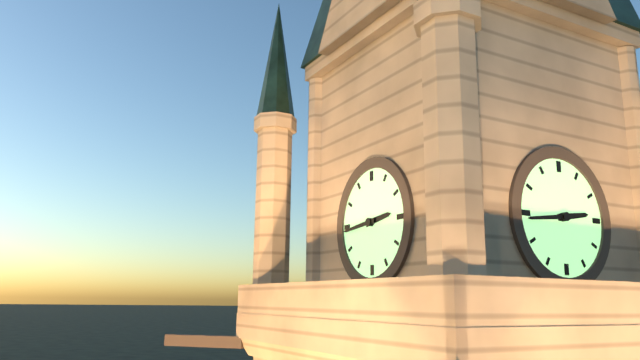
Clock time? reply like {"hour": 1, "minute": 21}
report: {"hour": 2, "minute": 44}
